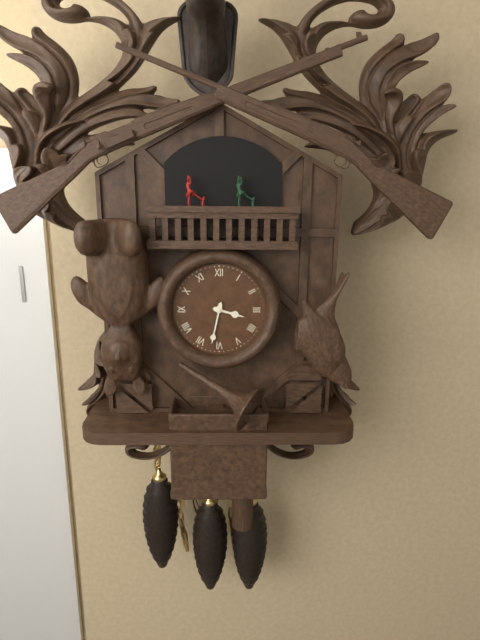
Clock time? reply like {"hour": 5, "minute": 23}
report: {"hour": 3, "minute": 32}
